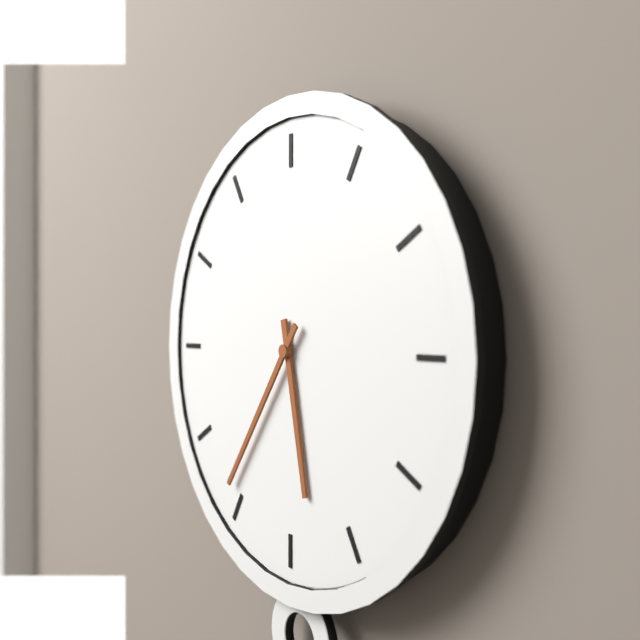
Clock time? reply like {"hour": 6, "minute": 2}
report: {"hour": 5, "minute": 36}
